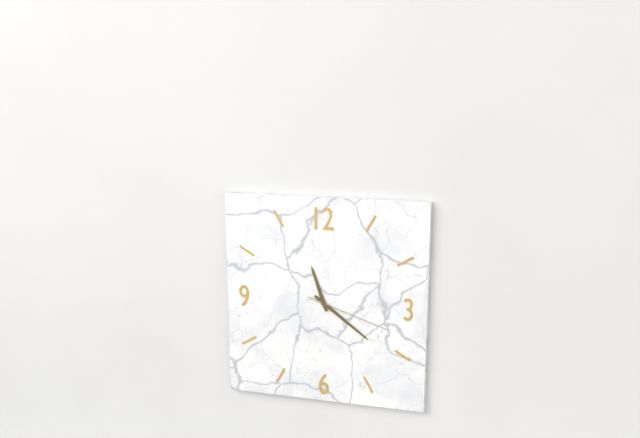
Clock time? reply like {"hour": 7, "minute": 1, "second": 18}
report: {"hour": 11, "minute": 21, "second": 18}
